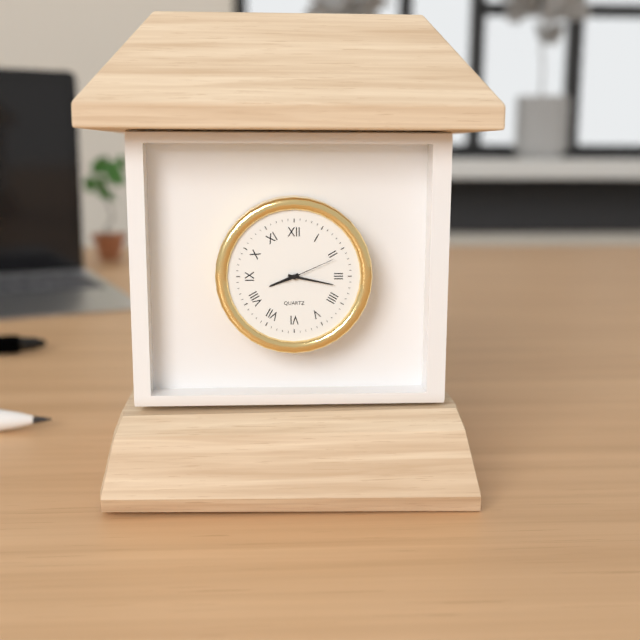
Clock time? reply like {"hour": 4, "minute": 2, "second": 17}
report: {"hour": 8, "minute": 17, "second": 11}
